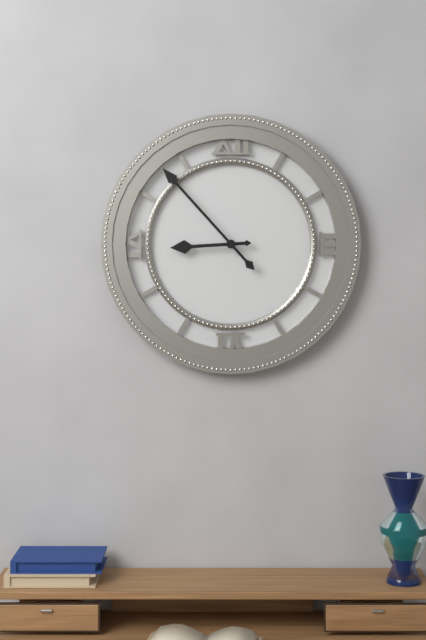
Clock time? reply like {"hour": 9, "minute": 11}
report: {"hour": 8, "minute": 53}
